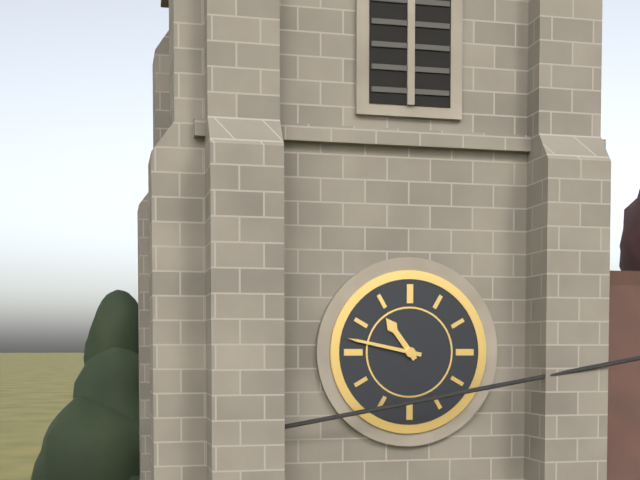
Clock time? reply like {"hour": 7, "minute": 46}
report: {"hour": 10, "minute": 47}
